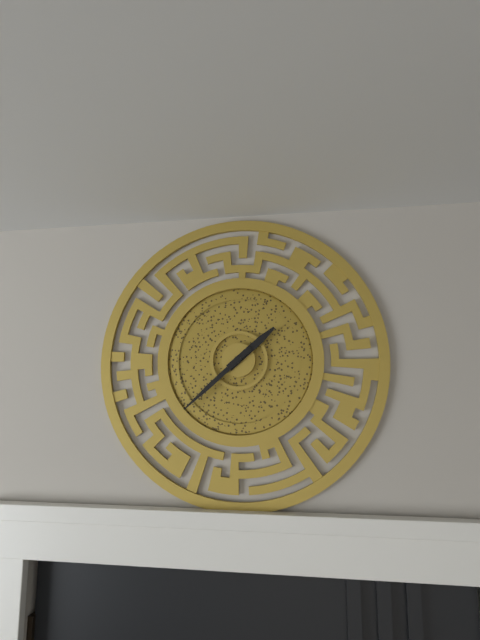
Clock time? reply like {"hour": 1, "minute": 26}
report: {"hour": 1, "minute": 38}
